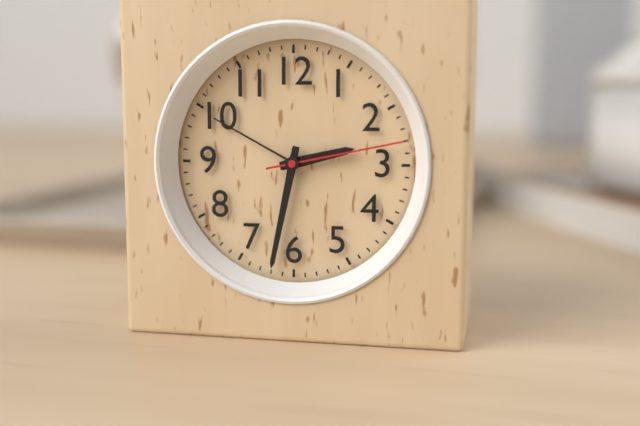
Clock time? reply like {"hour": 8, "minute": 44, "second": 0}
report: {"hour": 2, "minute": 32, "second": 13}
